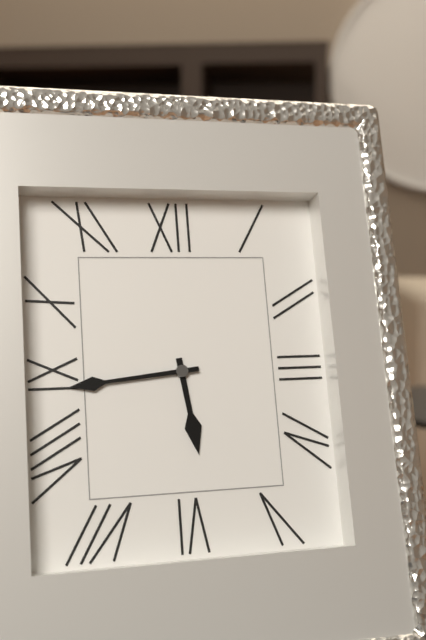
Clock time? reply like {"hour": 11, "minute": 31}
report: {"hour": 5, "minute": 44}
